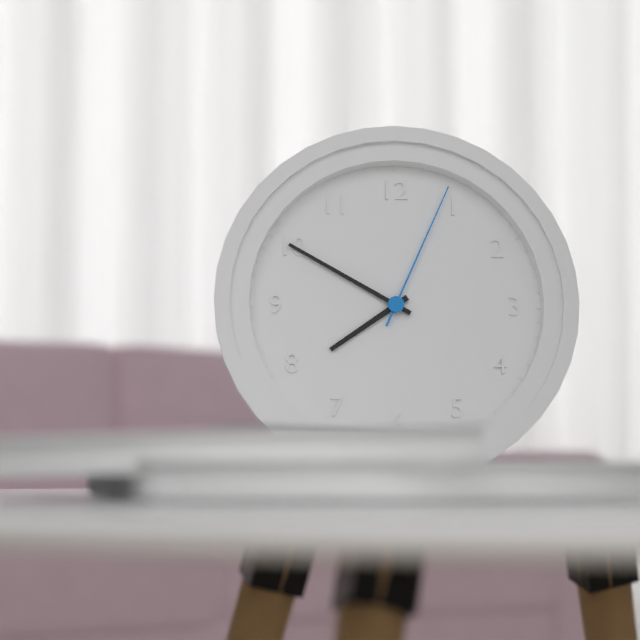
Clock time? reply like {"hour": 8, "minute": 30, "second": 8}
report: {"hour": 7, "minute": 50, "second": 4}
